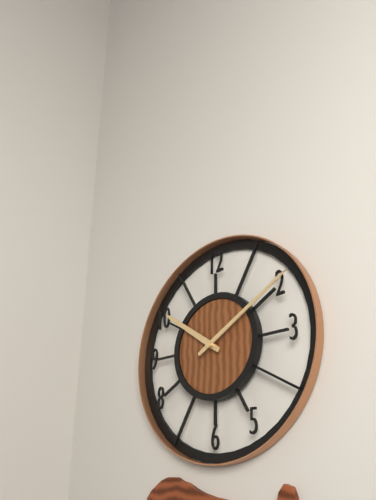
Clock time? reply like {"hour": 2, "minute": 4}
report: {"hour": 10, "minute": 10}
